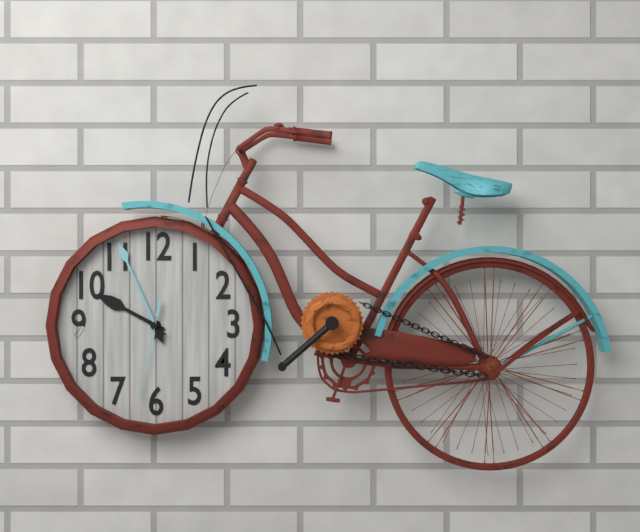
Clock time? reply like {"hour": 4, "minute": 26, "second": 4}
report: {"hour": 9, "minute": 56, "second": 32}
